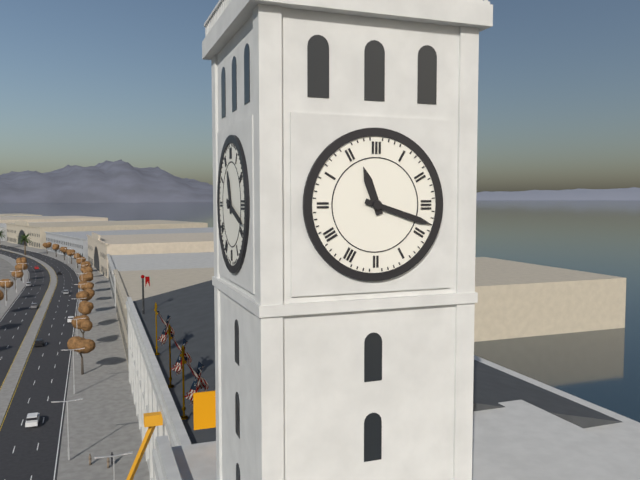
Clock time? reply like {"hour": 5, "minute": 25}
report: {"hour": 11, "minute": 18}
